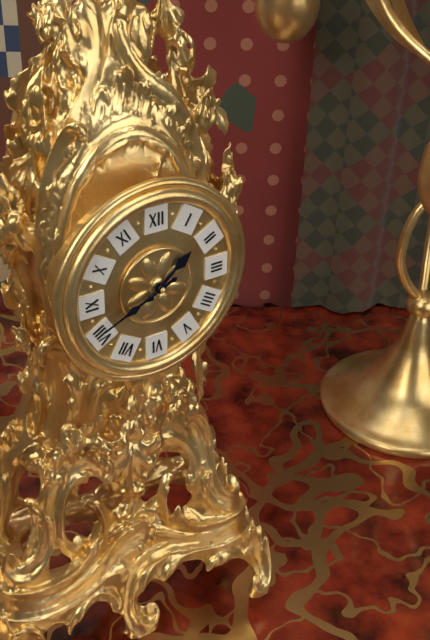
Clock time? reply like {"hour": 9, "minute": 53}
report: {"hour": 1, "minute": 41}
